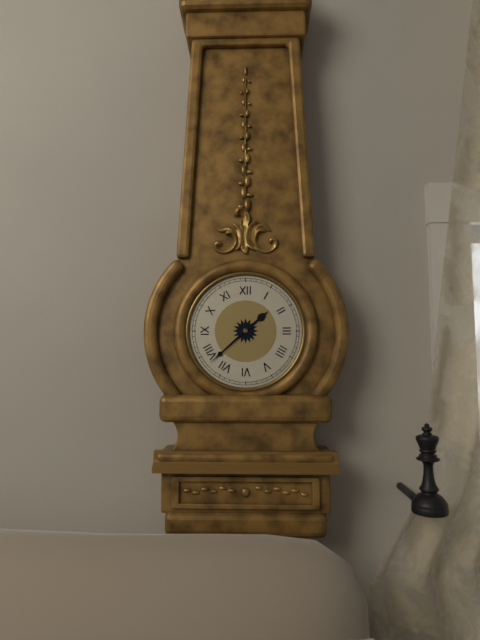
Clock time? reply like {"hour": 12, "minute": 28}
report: {"hour": 1, "minute": 38}
